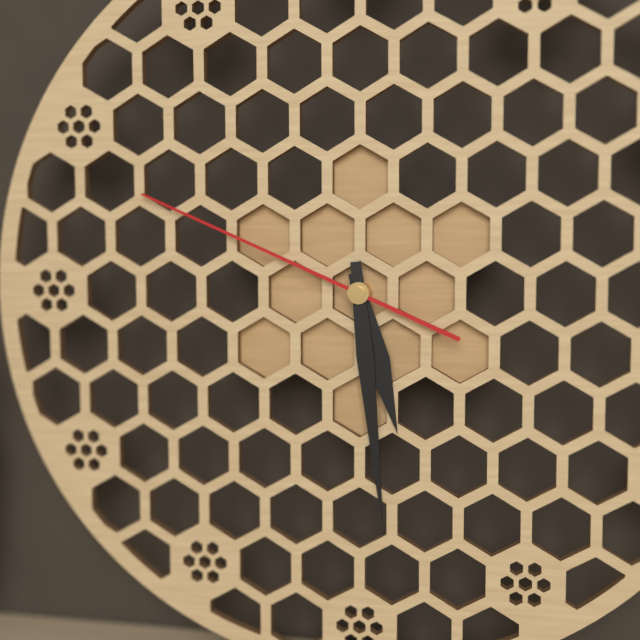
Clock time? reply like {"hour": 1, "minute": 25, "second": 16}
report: {"hour": 5, "minute": 29, "second": 49}
